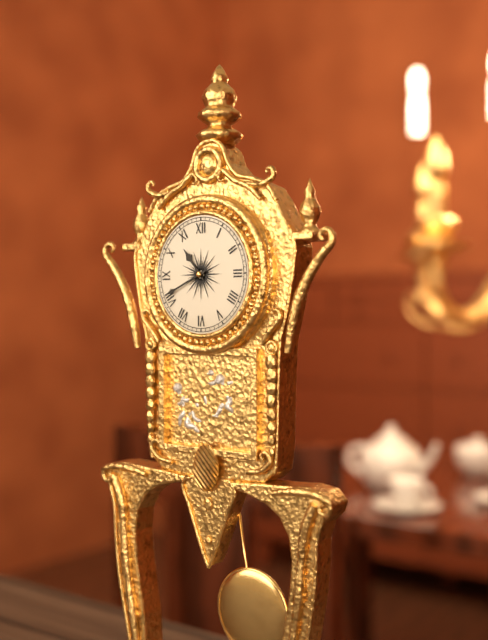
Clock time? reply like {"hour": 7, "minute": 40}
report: {"hour": 10, "minute": 41}
